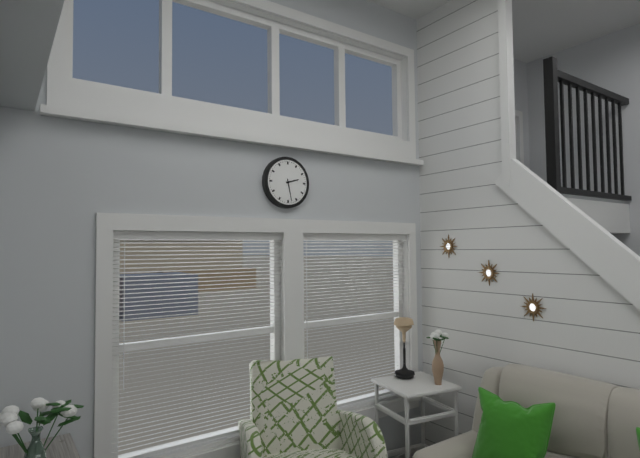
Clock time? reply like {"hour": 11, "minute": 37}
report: {"hour": 2, "minute": 28}
